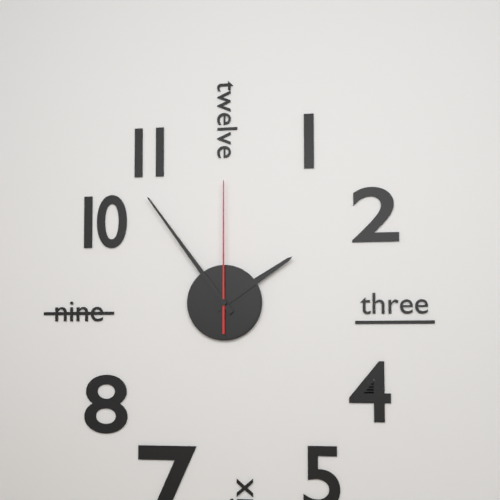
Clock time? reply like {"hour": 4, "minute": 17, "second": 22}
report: {"hour": 1, "minute": 54, "second": 0}
